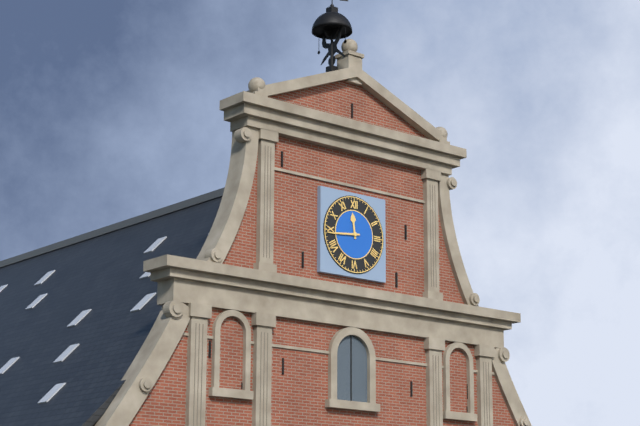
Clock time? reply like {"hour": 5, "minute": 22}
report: {"hour": 11, "minute": 44}
